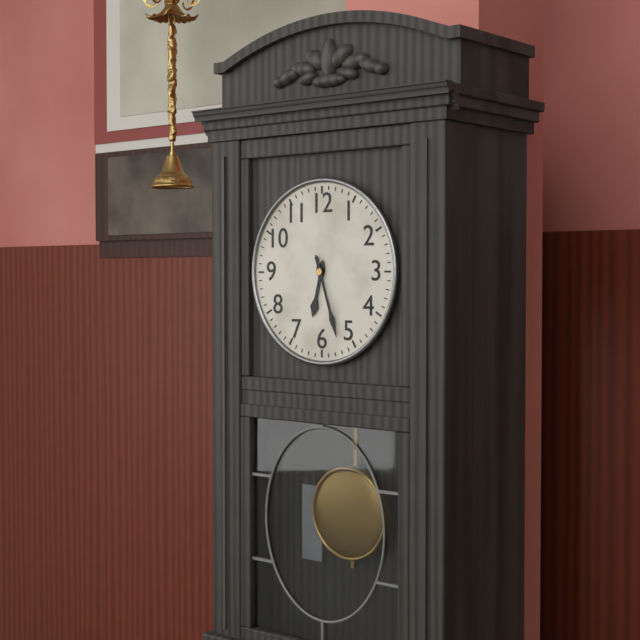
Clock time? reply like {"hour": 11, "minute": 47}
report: {"hour": 6, "minute": 27}
